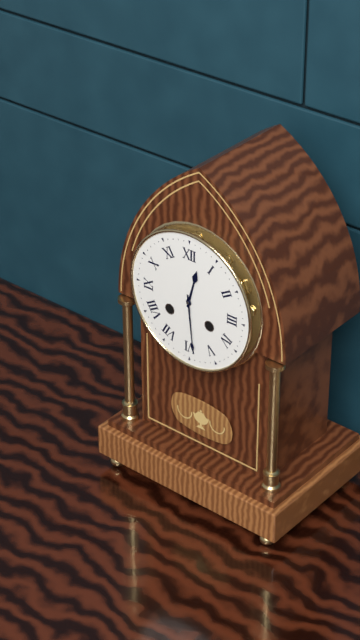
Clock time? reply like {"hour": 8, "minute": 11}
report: {"hour": 12, "minute": 29}
